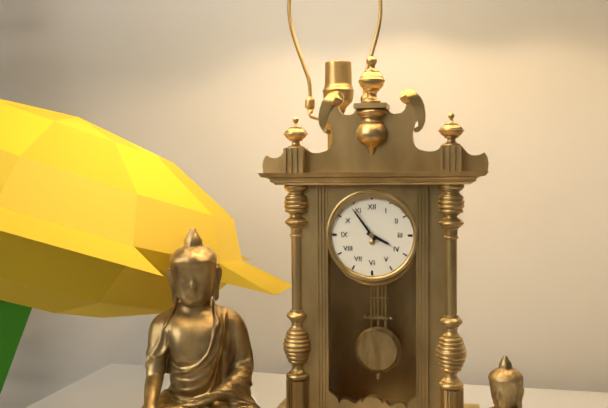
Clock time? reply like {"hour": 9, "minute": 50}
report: {"hour": 3, "minute": 54}
